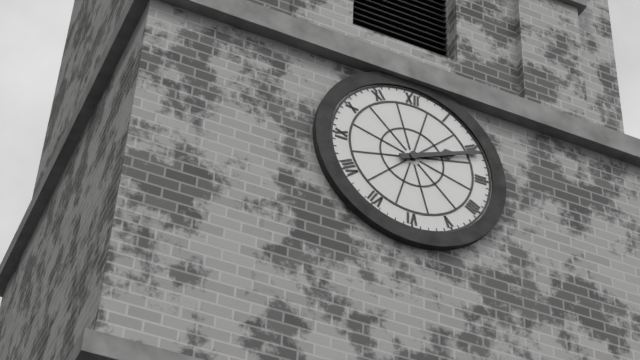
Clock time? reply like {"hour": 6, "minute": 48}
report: {"hour": 2, "minute": 11}
